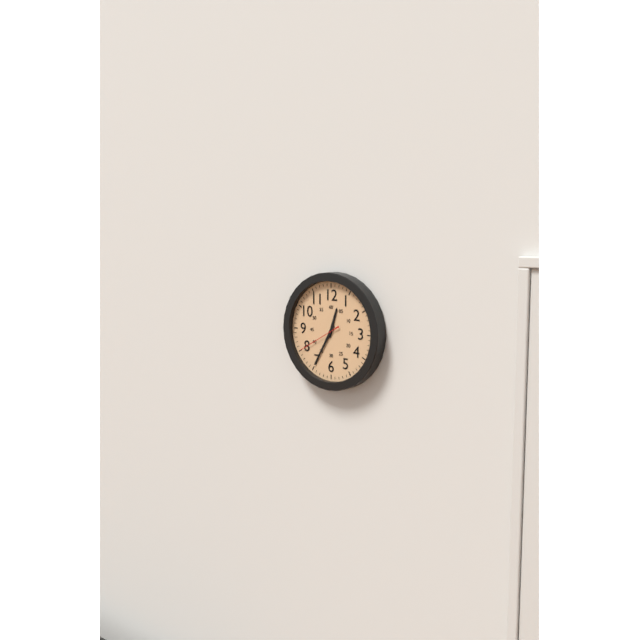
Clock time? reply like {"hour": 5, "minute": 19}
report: {"hour": 12, "minute": 35}
